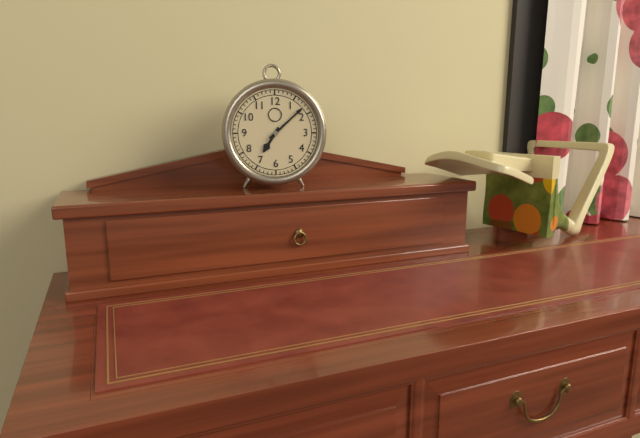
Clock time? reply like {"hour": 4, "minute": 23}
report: {"hour": 7, "minute": 8}
